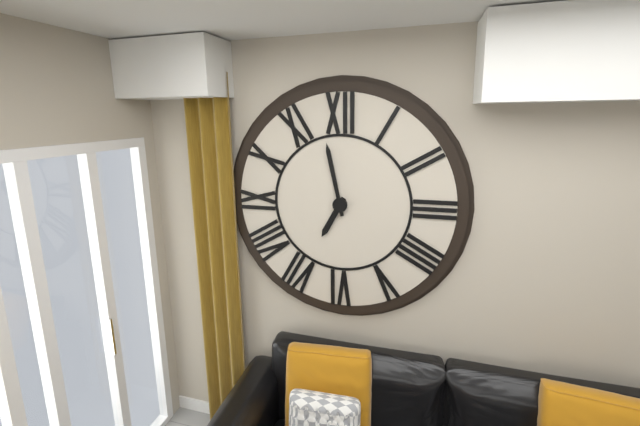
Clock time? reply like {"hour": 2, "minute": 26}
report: {"hour": 6, "minute": 58}
